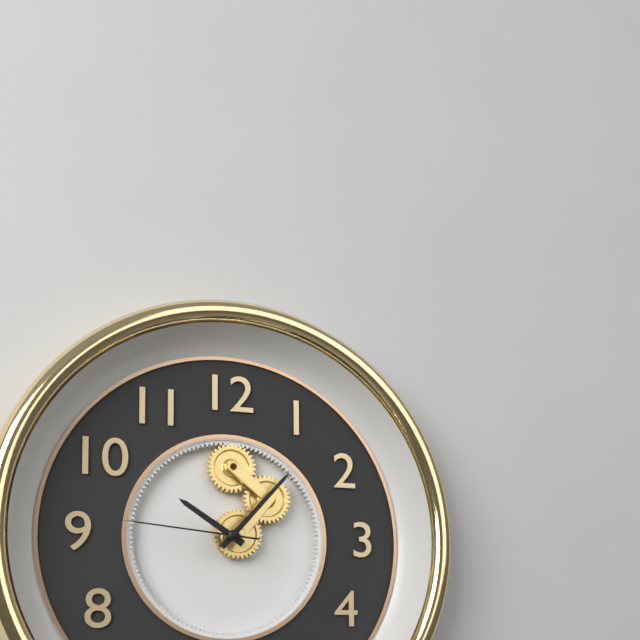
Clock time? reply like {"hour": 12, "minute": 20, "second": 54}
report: {"hour": 10, "minute": 7, "second": 46}
